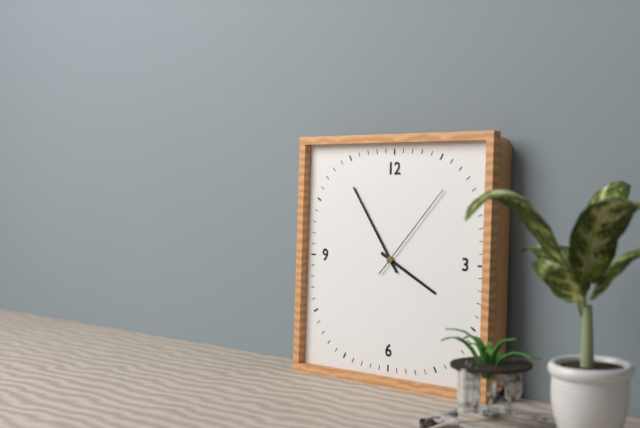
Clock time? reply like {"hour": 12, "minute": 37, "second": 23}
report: {"hour": 3, "minute": 54, "second": 7}
